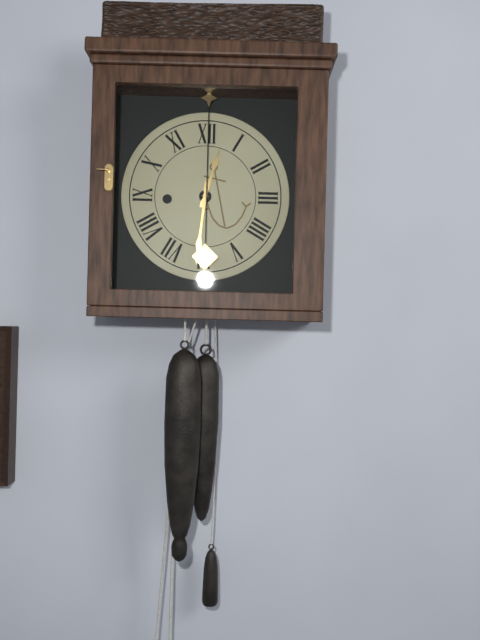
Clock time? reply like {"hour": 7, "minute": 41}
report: {"hour": 12, "minute": 31}
